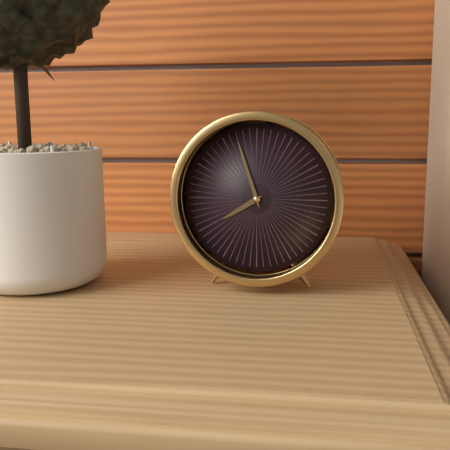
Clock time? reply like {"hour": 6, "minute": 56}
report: {"hour": 7, "minute": 57}
